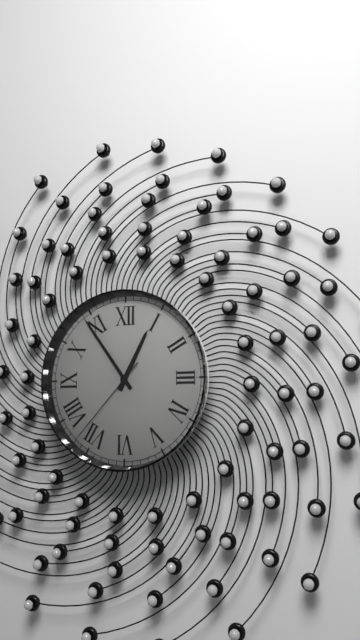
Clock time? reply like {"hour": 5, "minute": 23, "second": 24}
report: {"hour": 12, "minute": 54, "second": 37}
